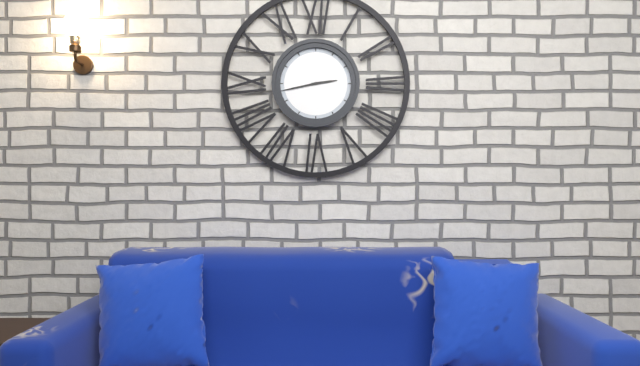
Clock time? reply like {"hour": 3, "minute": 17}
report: {"hour": 2, "minute": 43}
